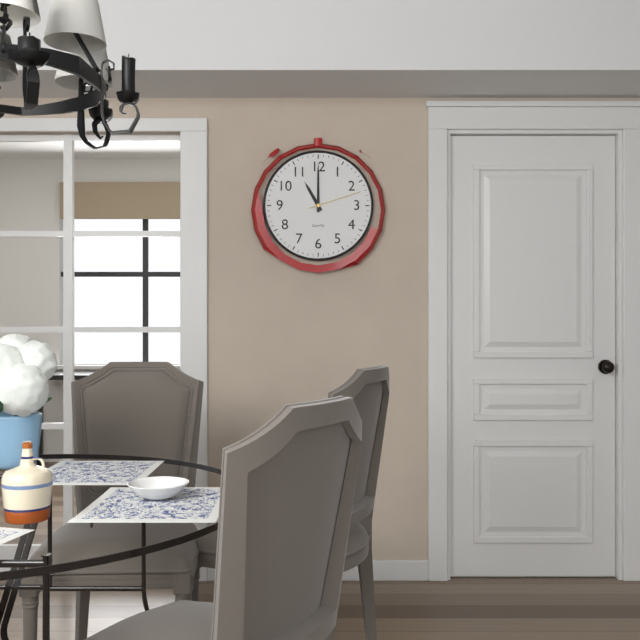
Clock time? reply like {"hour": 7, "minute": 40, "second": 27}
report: {"hour": 11, "minute": 0, "second": 12}
